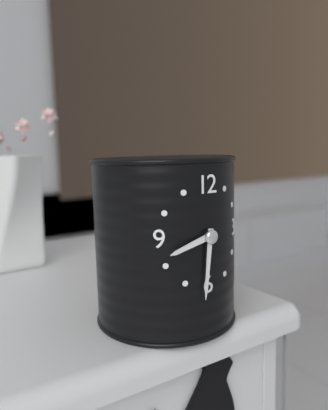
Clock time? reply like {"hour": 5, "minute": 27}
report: {"hour": 8, "minute": 31}
